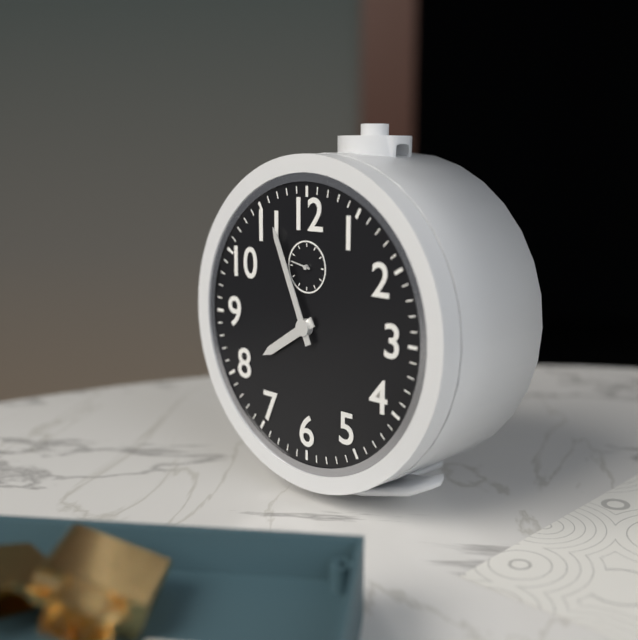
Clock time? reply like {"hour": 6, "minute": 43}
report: {"hour": 7, "minute": 56}
